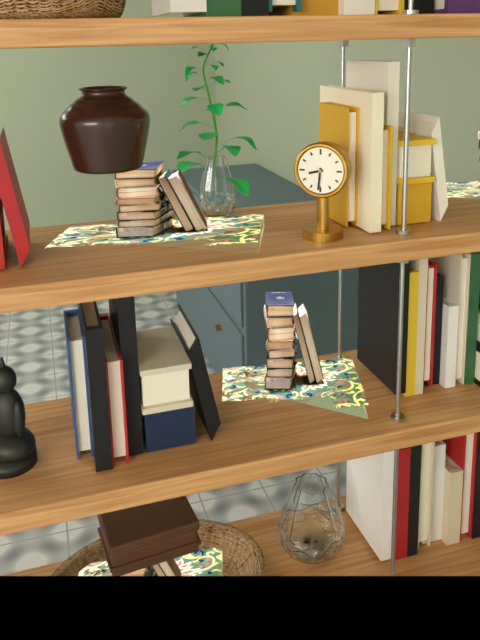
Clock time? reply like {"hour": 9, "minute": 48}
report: {"hour": 8, "minute": 31}
